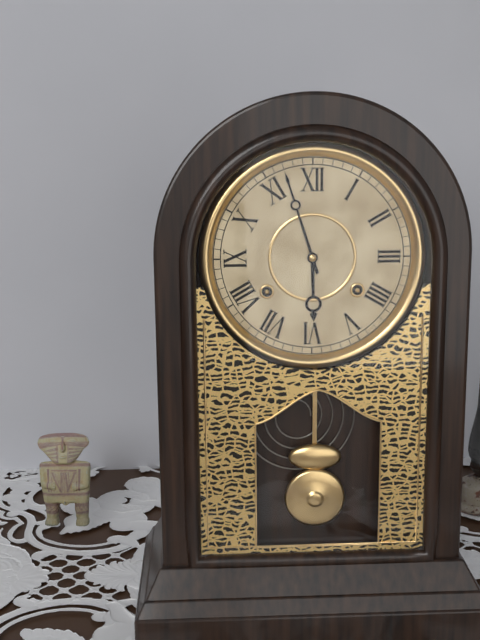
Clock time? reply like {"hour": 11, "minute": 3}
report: {"hour": 5, "minute": 57}
